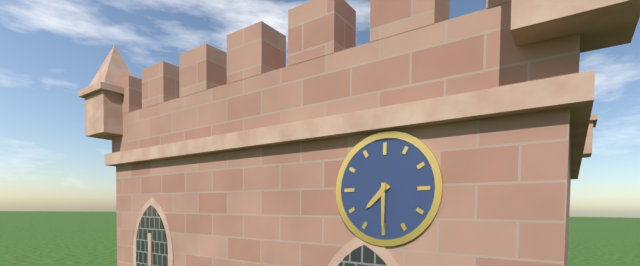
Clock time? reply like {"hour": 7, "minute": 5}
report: {"hour": 7, "minute": 30}
